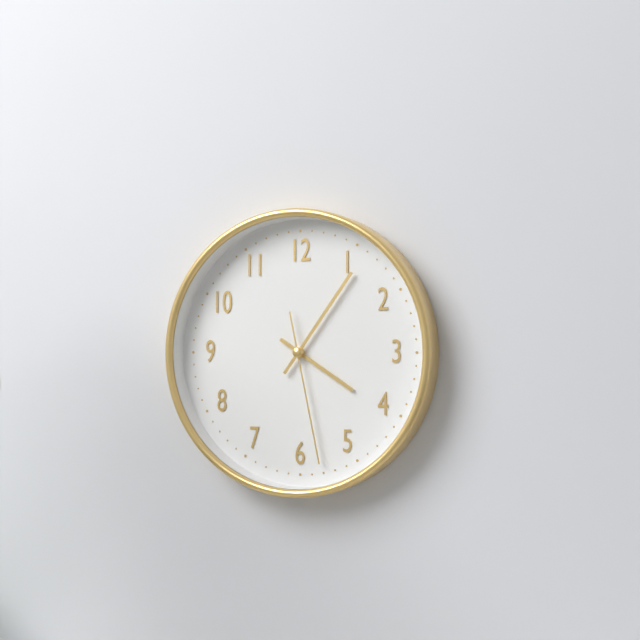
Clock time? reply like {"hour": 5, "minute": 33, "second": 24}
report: {"hour": 4, "minute": 6, "second": 28}
